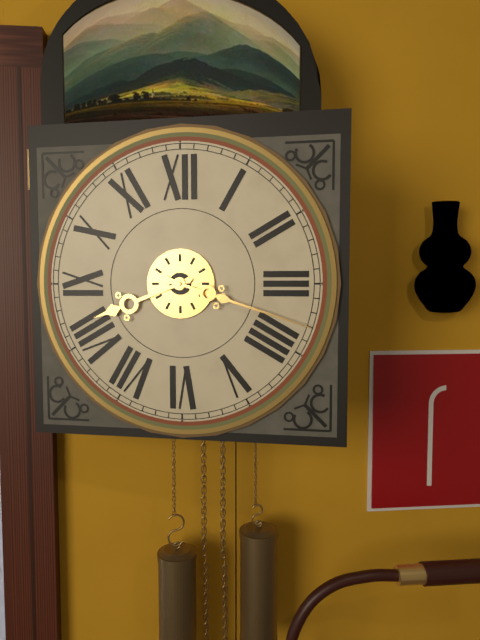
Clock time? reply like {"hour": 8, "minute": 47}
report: {"hour": 8, "minute": 18}
